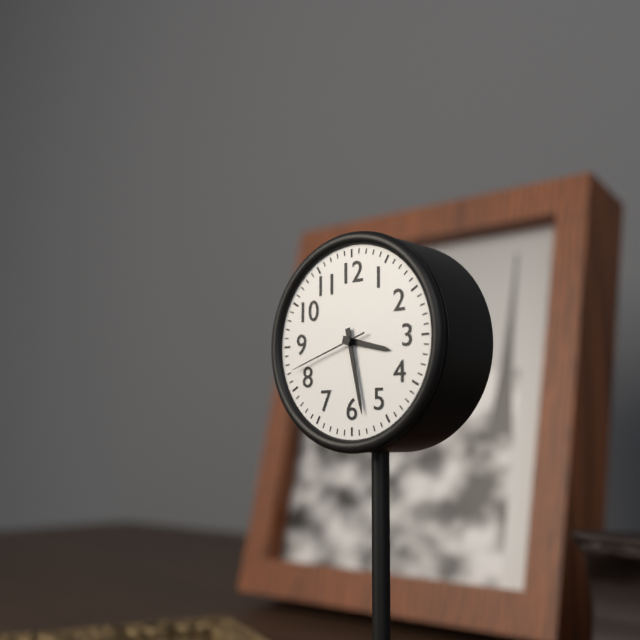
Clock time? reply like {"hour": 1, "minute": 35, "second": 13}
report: {"hour": 3, "minute": 28, "second": 42}
